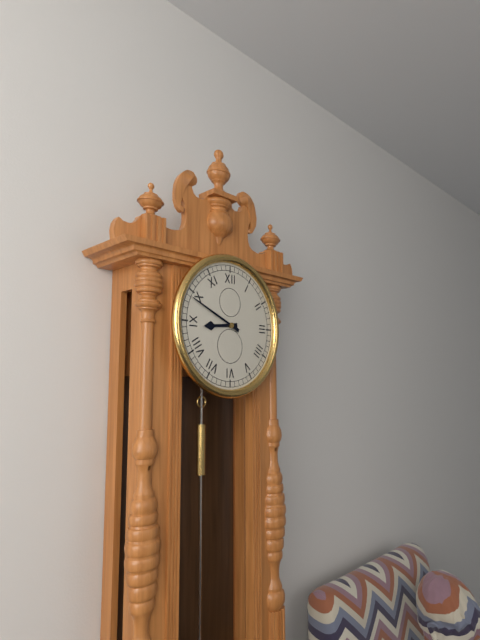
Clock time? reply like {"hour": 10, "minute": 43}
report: {"hour": 8, "minute": 49}
